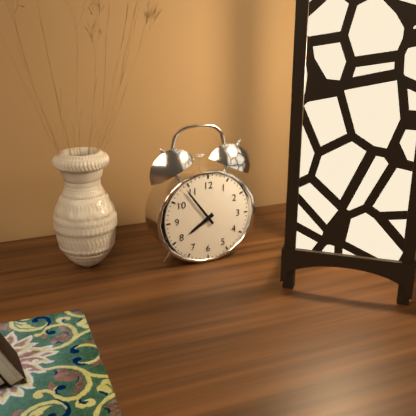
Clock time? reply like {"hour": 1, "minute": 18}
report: {"hour": 7, "minute": 54}
